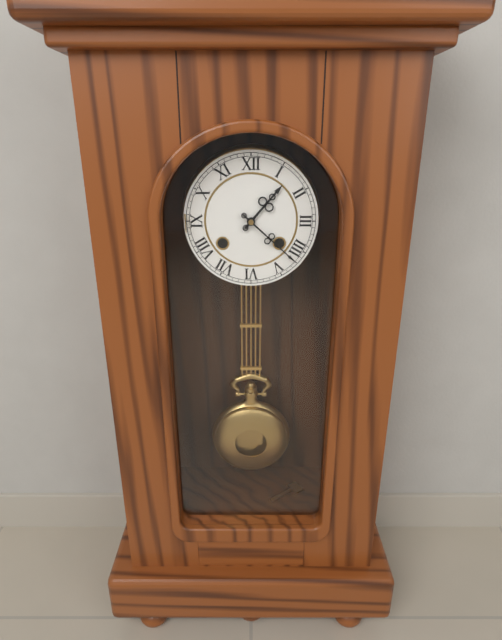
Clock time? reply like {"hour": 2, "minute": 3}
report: {"hour": 1, "minute": 22}
